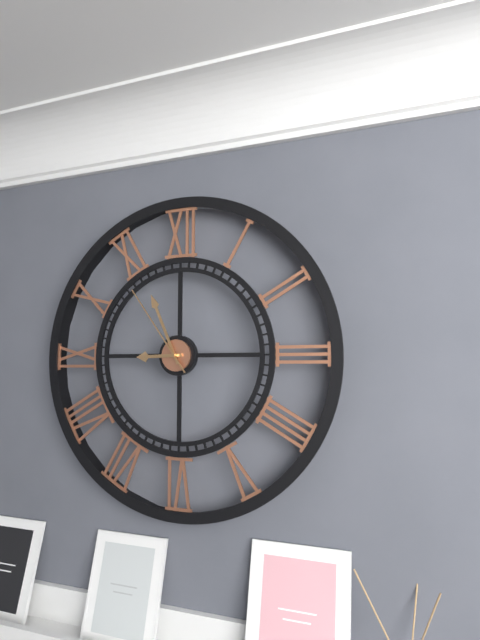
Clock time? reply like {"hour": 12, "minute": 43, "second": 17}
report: {"hour": 8, "minute": 56, "second": 54}
